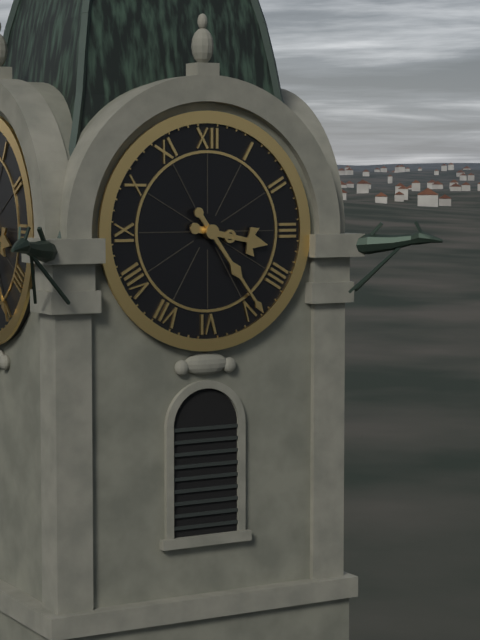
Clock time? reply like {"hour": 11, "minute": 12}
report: {"hour": 3, "minute": 24}
